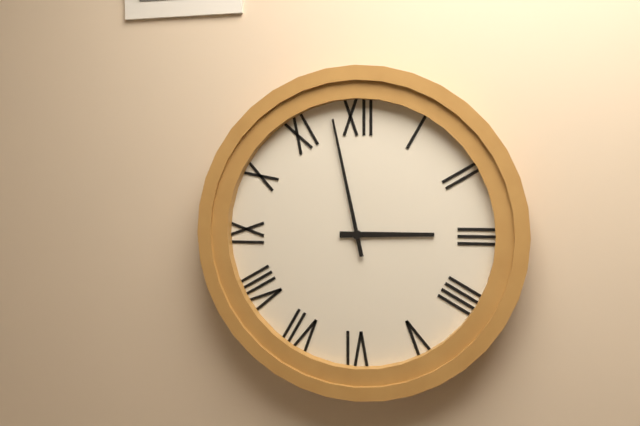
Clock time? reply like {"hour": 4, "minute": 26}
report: {"hour": 2, "minute": 58}
